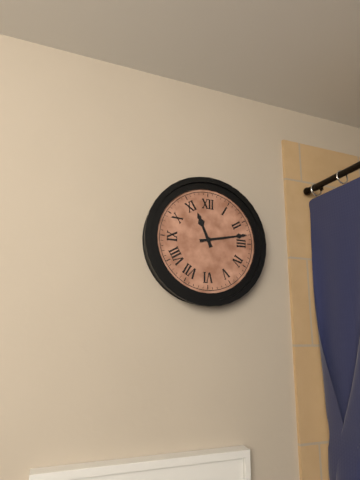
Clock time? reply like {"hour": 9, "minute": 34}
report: {"hour": 11, "minute": 13}
